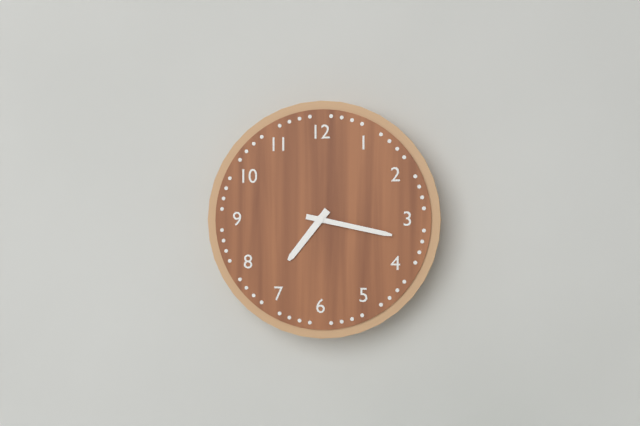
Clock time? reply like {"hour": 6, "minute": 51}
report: {"hour": 7, "minute": 17}
